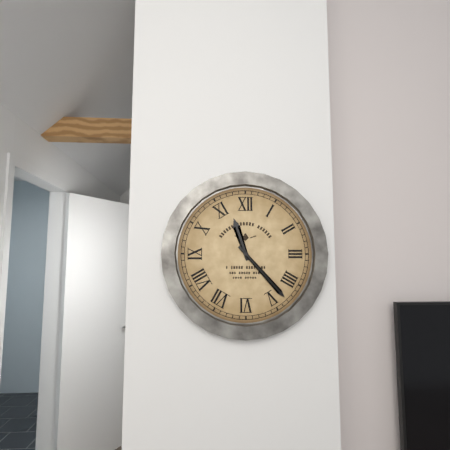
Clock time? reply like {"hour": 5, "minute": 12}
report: {"hour": 11, "minute": 23}
